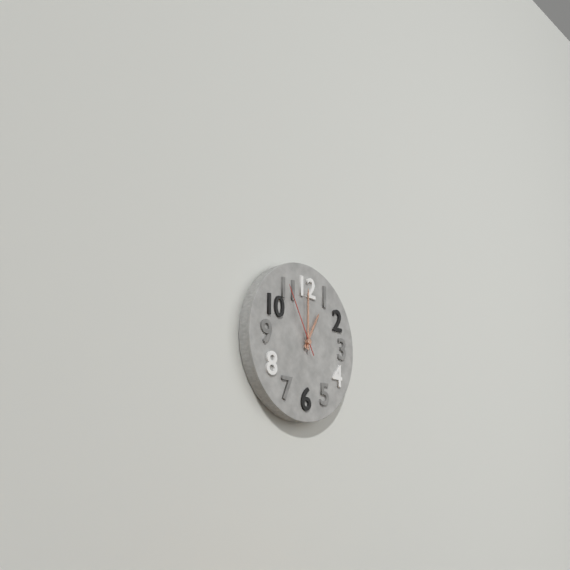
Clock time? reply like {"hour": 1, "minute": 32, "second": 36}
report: {"hour": 1, "minute": 0, "second": 55}
